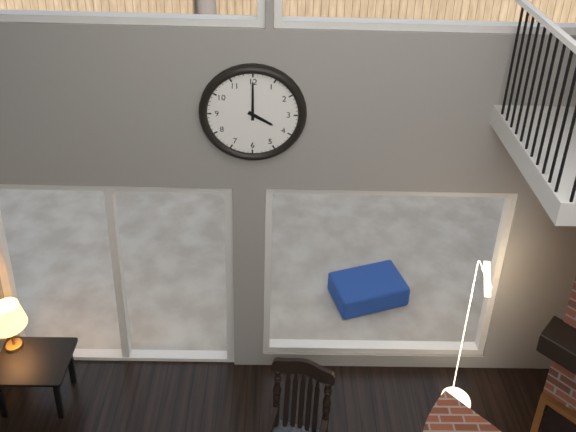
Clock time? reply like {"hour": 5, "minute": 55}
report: {"hour": 4, "minute": 0}
